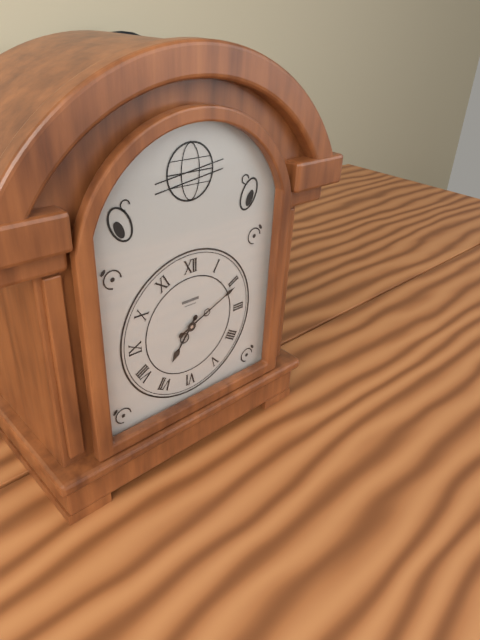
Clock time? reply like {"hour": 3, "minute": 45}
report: {"hour": 7, "minute": 11}
